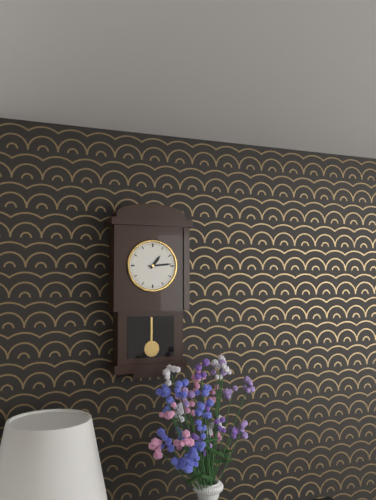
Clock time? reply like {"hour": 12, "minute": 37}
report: {"hour": 1, "minute": 14}
